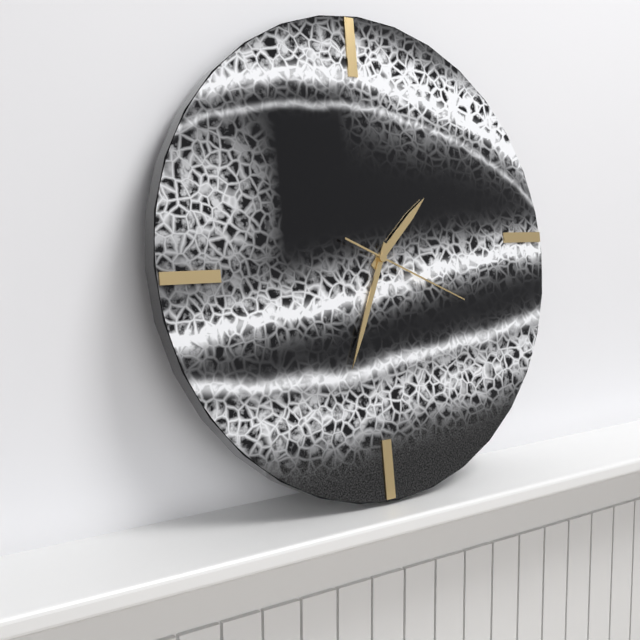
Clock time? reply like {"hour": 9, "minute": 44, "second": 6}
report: {"hour": 1, "minute": 34, "second": 19}
